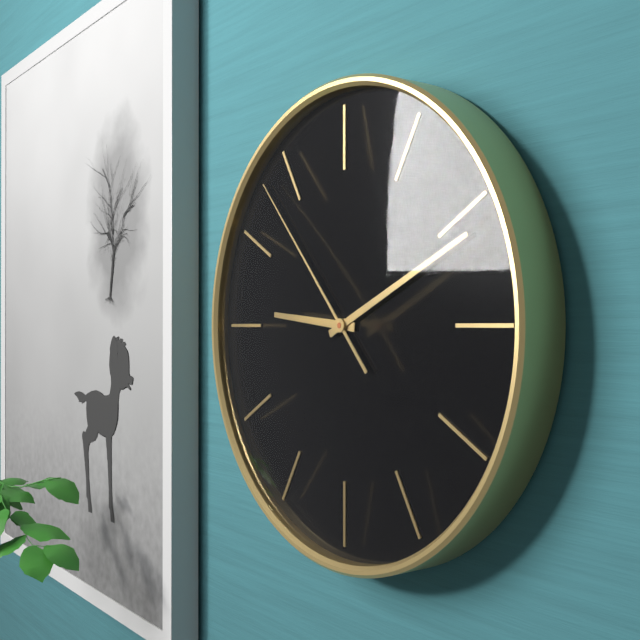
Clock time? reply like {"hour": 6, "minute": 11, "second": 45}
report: {"hour": 9, "minute": 11, "second": 53}
